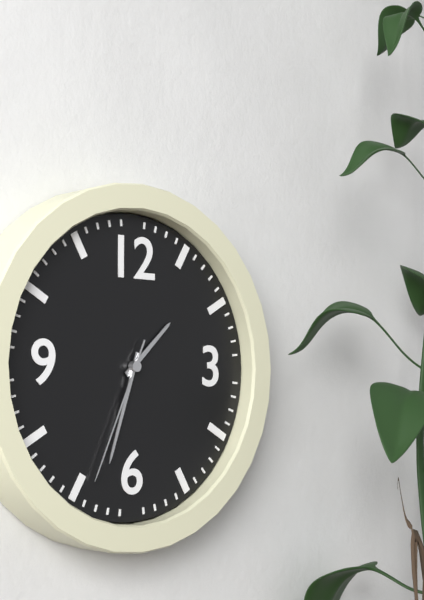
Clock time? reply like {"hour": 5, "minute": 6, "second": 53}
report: {"hour": 1, "minute": 33, "second": 34}
